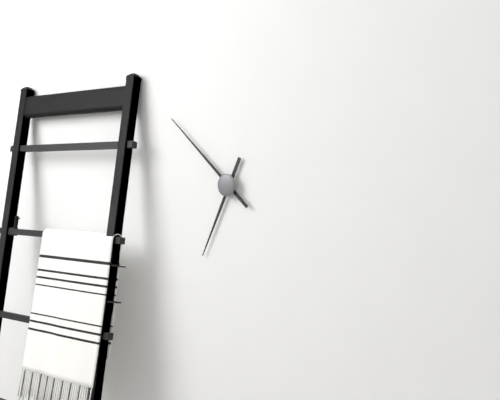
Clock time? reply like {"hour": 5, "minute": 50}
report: {"hour": 6, "minute": 52}
